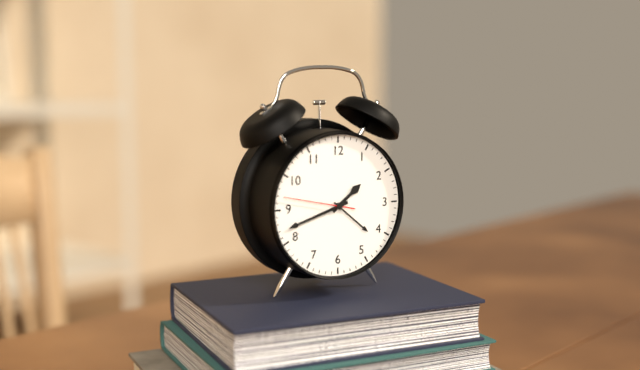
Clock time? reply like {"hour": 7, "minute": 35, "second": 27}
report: {"hour": 1, "minute": 42, "second": 47}
